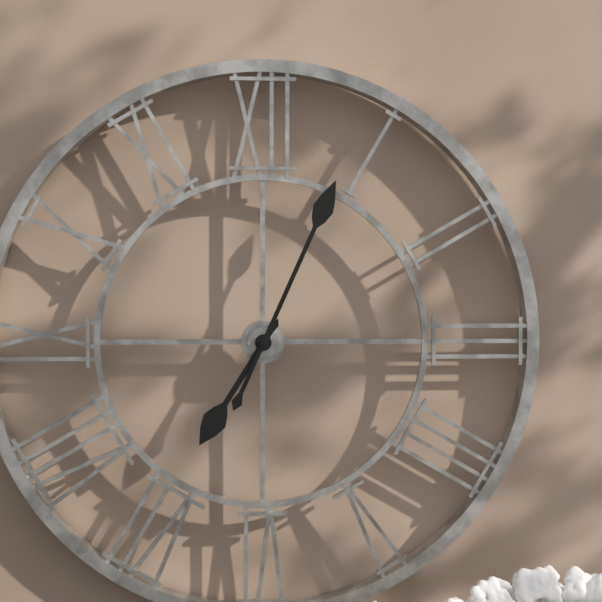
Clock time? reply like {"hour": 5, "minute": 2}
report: {"hour": 7, "minute": 4}
